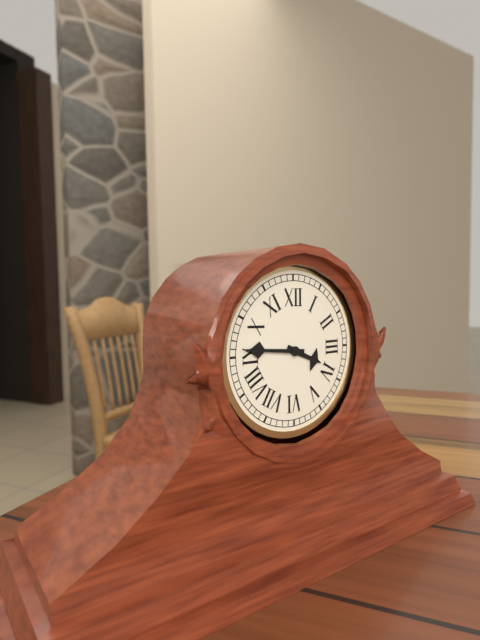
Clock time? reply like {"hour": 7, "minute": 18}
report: {"hour": 3, "minute": 46}
